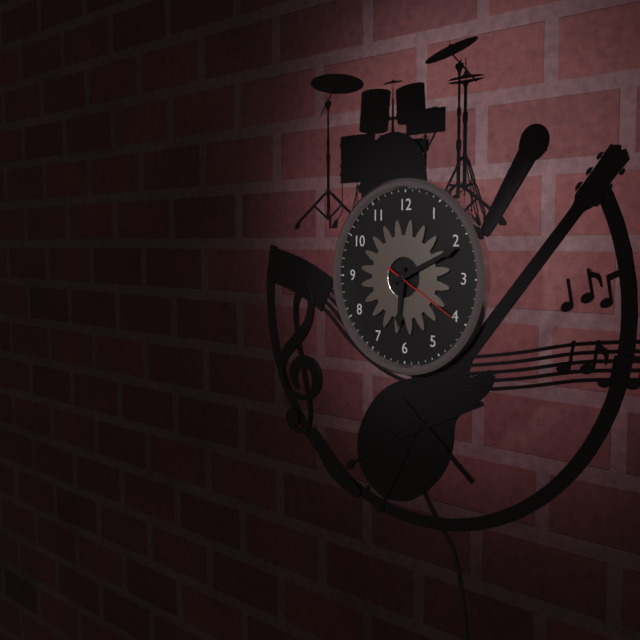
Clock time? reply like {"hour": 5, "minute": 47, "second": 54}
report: {"hour": 6, "minute": 11, "second": 20}
